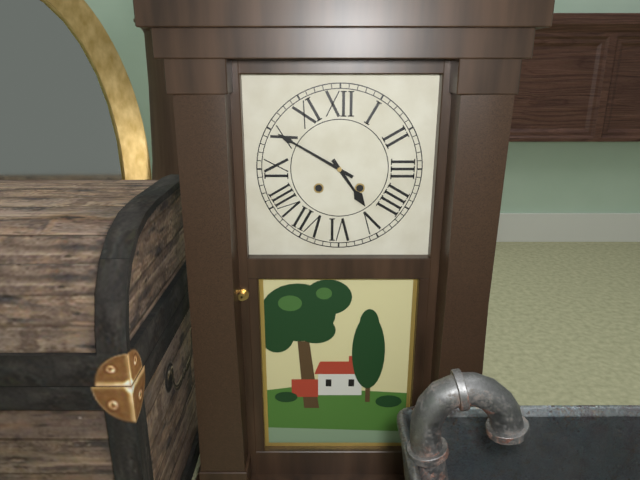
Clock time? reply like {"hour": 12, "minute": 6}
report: {"hour": 4, "minute": 50}
